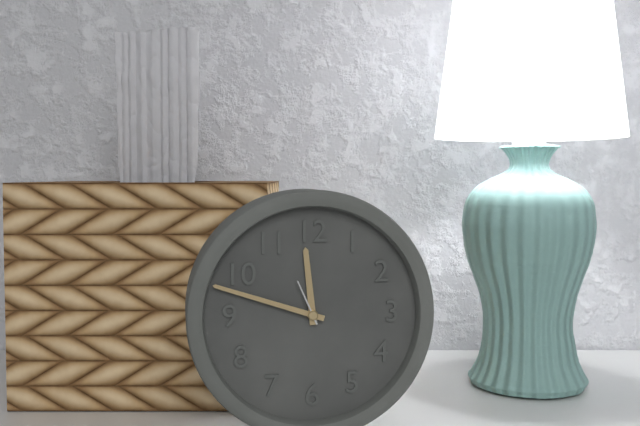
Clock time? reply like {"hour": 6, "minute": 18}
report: {"hour": 11, "minute": 48}
